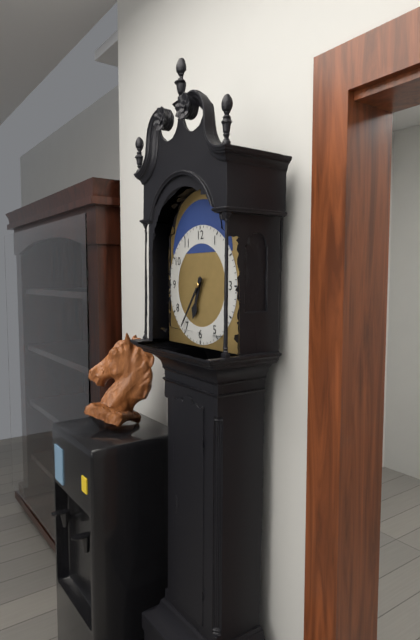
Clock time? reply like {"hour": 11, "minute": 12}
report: {"hour": 6, "minute": 36}
